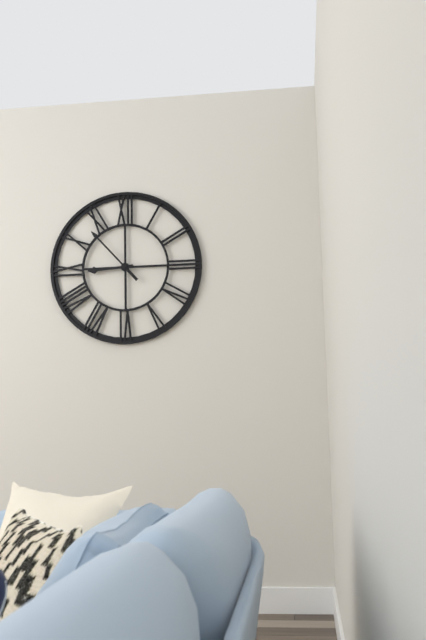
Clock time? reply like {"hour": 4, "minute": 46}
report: {"hour": 8, "minute": 53}
